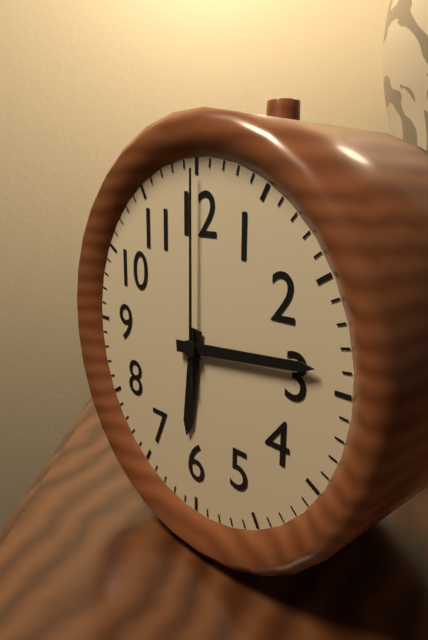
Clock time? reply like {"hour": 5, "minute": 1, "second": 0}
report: {"hour": 6, "minute": 14, "second": 0}
